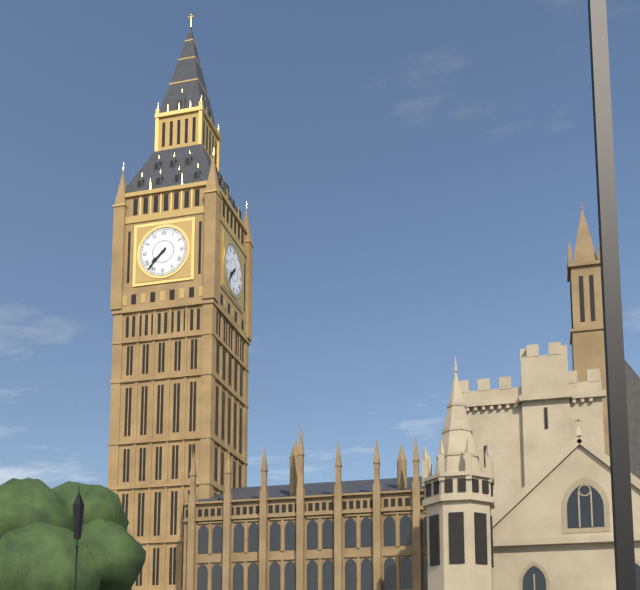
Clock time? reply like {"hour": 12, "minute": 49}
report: {"hour": 7, "minute": 37}
